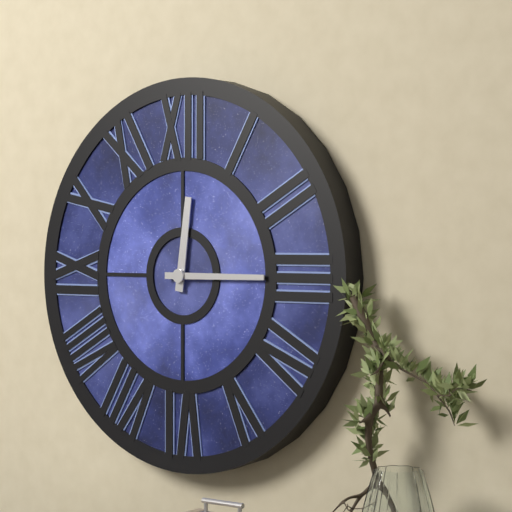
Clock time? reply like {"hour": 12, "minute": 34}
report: {"hour": 12, "minute": 15}
